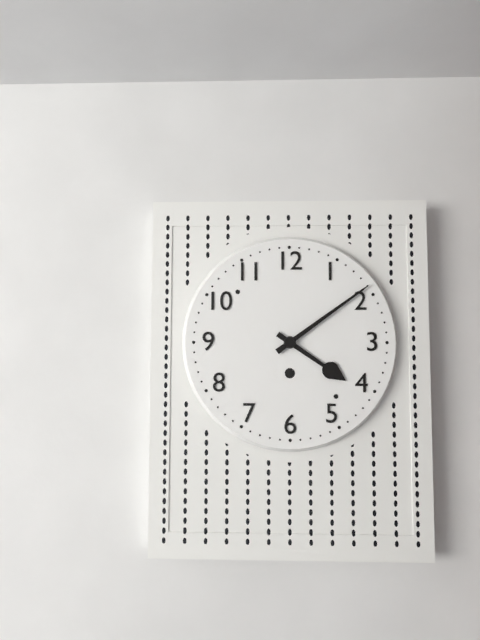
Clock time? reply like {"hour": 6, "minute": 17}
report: {"hour": 4, "minute": 9}
